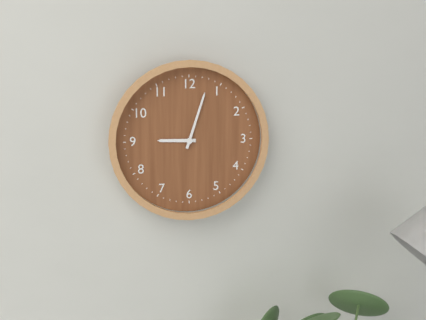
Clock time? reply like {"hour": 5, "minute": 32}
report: {"hour": 9, "minute": 3}
